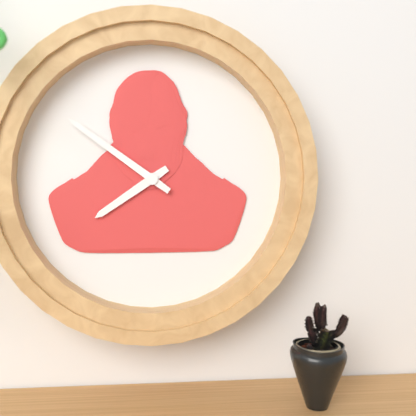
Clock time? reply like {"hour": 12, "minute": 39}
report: {"hour": 7, "minute": 51}
